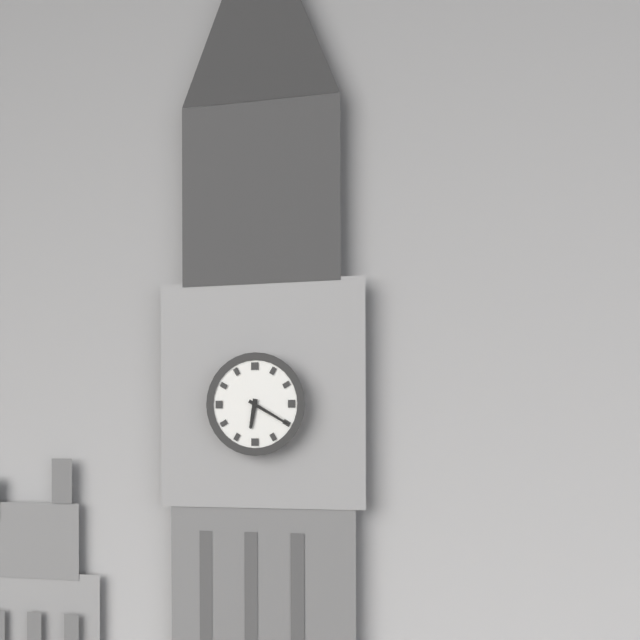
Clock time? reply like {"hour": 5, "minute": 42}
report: {"hour": 6, "minute": 20}
